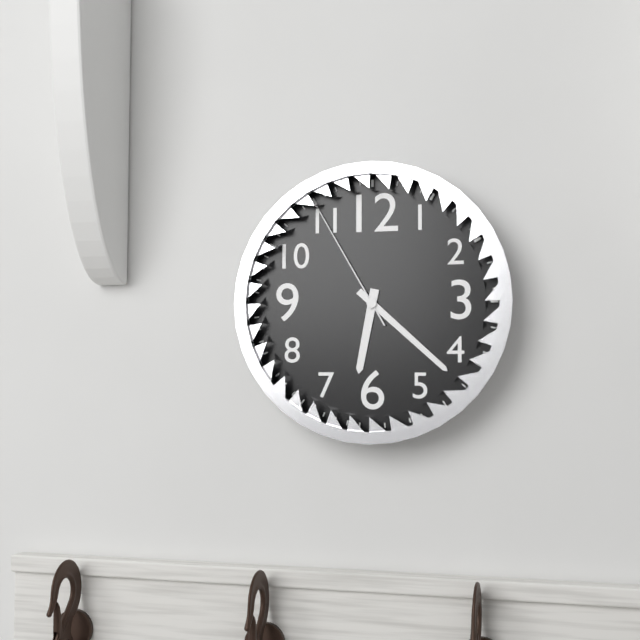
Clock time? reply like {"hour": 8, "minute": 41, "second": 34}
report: {"hour": 6, "minute": 22, "second": 55}
